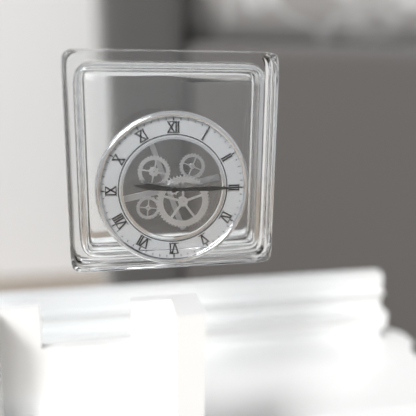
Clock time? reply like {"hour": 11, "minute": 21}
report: {"hour": 9, "minute": 15}
